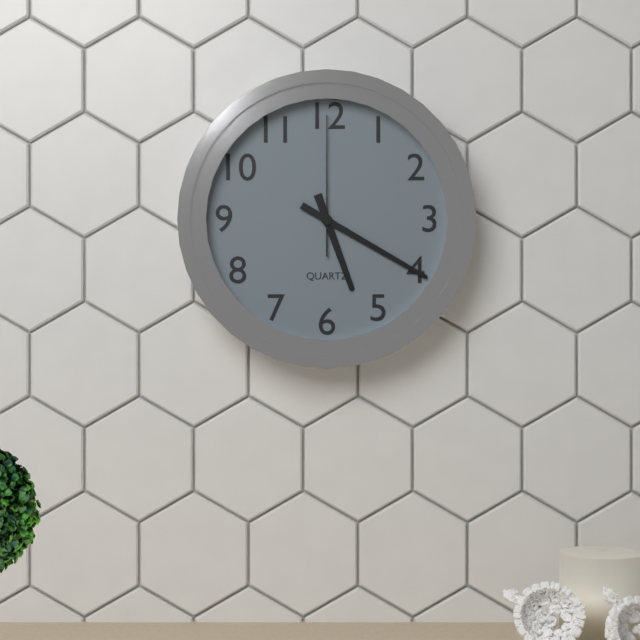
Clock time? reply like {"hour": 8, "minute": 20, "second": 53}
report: {"hour": 5, "minute": 20, "second": 0}
